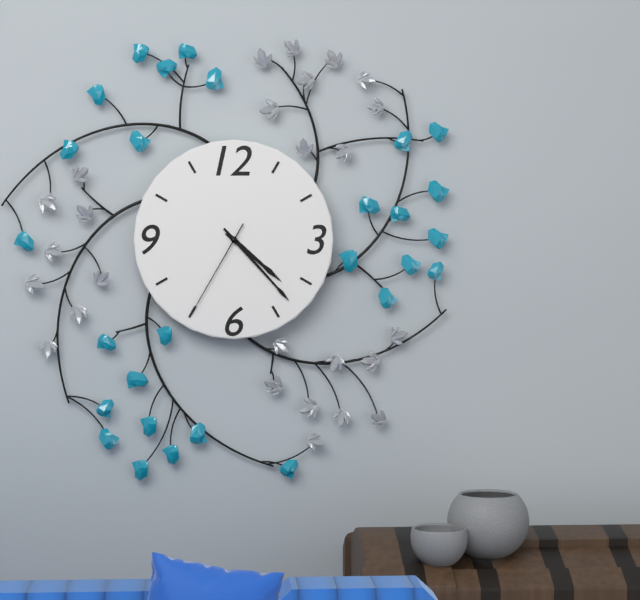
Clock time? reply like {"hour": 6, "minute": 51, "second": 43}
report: {"hour": 4, "minute": 23, "second": 35}
